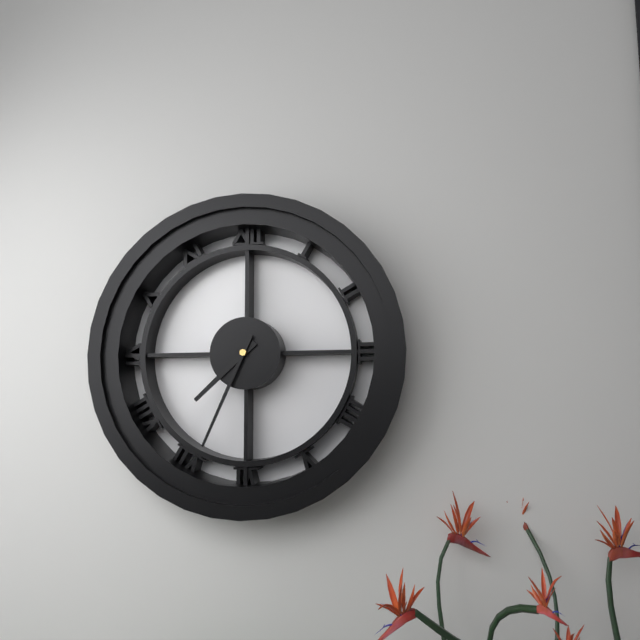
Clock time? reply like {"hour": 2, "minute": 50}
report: {"hour": 7, "minute": 34}
